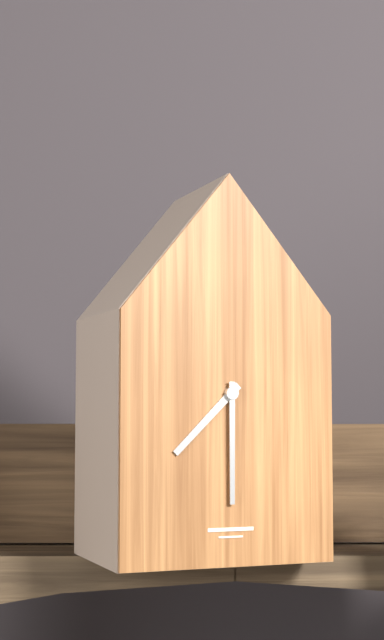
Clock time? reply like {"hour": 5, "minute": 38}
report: {"hour": 7, "minute": 30}
